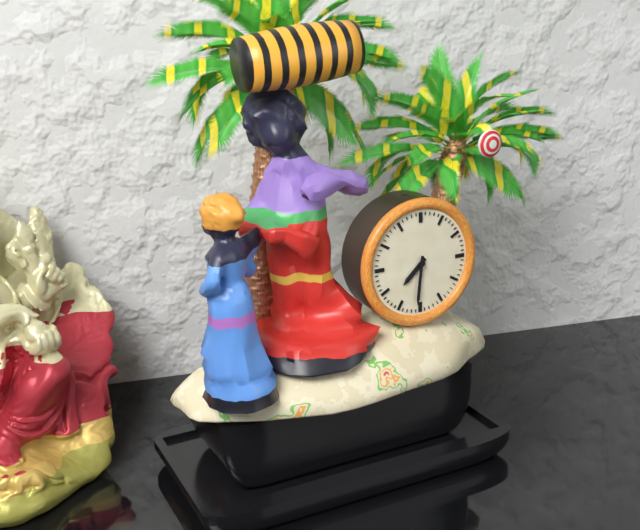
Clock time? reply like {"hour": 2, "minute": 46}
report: {"hour": 7, "minute": 31}
